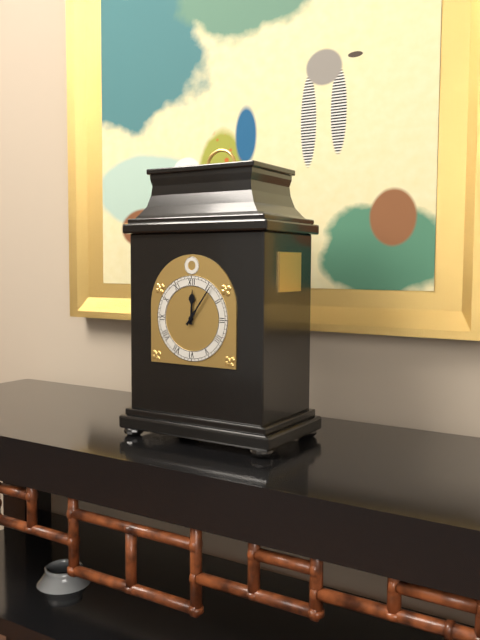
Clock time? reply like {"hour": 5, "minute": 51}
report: {"hour": 12, "minute": 6}
